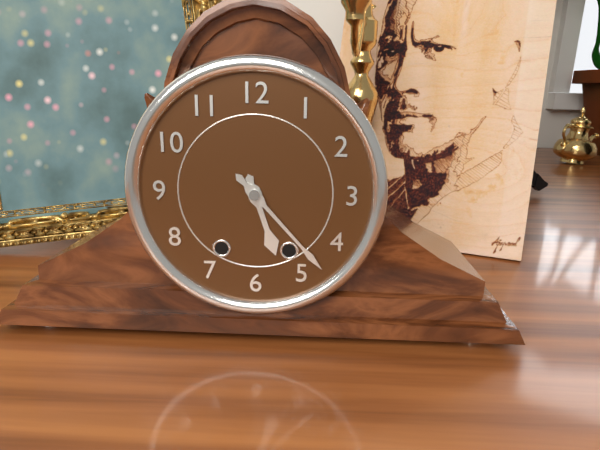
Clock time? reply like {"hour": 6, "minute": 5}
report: {"hour": 5, "minute": 23}
